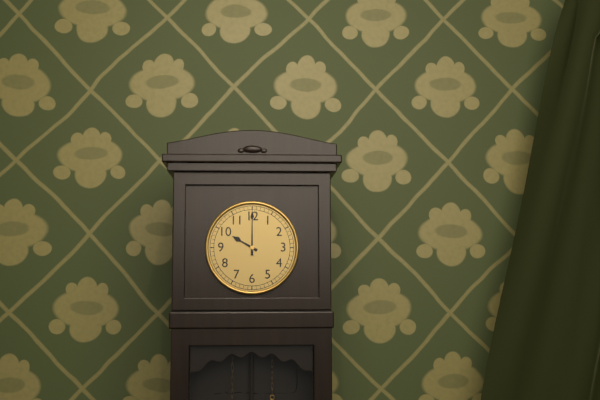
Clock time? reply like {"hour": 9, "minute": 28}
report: {"hour": 10, "minute": 0}
